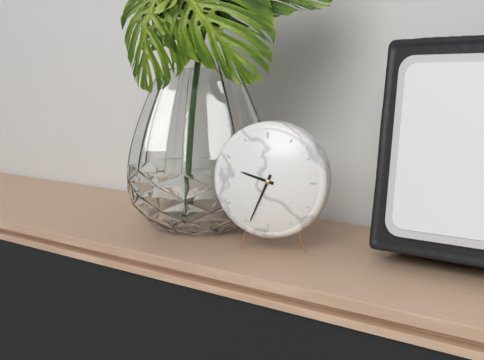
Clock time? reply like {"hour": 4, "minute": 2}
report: {"hour": 9, "minute": 34}
